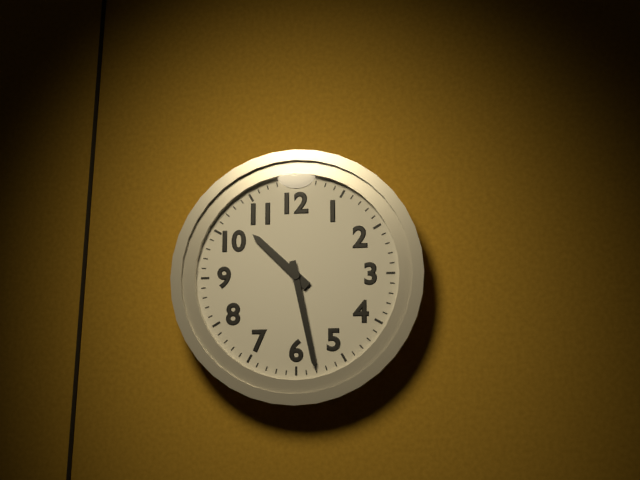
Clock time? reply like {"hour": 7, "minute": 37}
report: {"hour": 10, "minute": 28}
